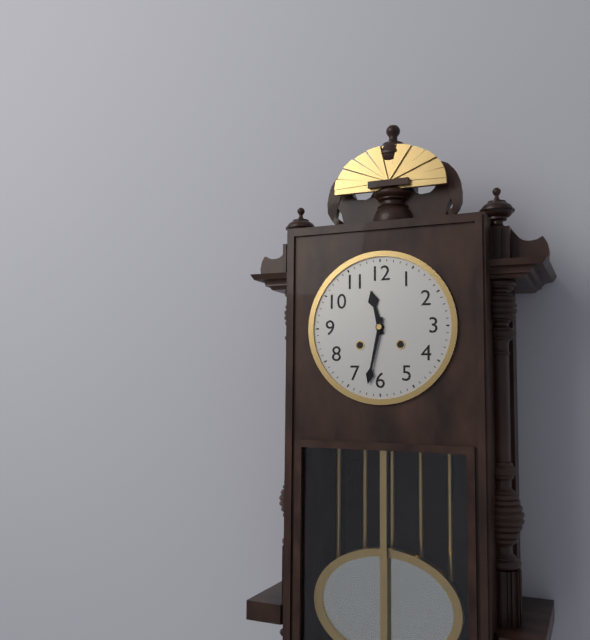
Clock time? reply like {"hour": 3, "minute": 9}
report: {"hour": 11, "minute": 32}
